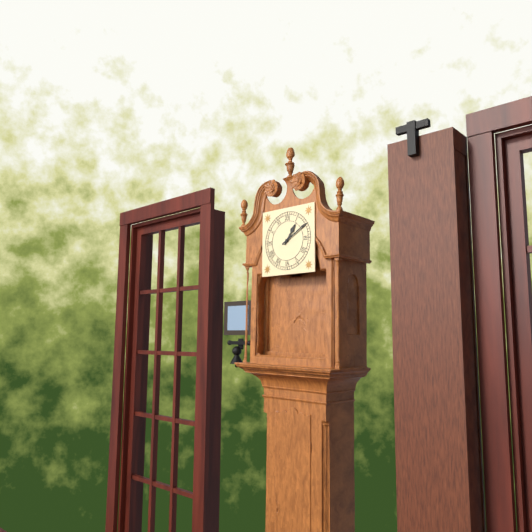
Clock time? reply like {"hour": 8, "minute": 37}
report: {"hour": 1, "minute": 10}
